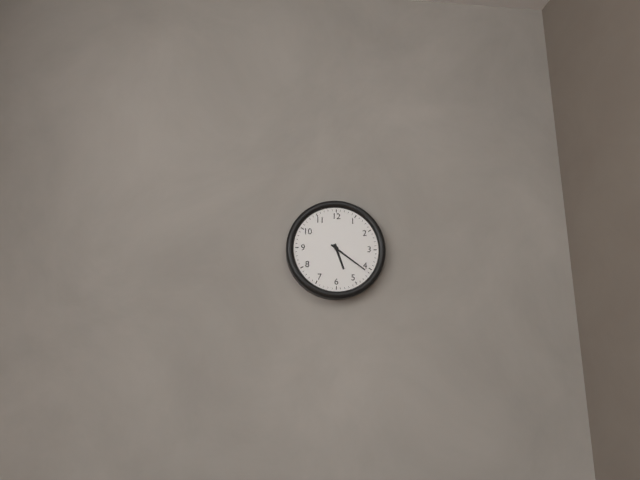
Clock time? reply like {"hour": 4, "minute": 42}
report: {"hour": 5, "minute": 21}
